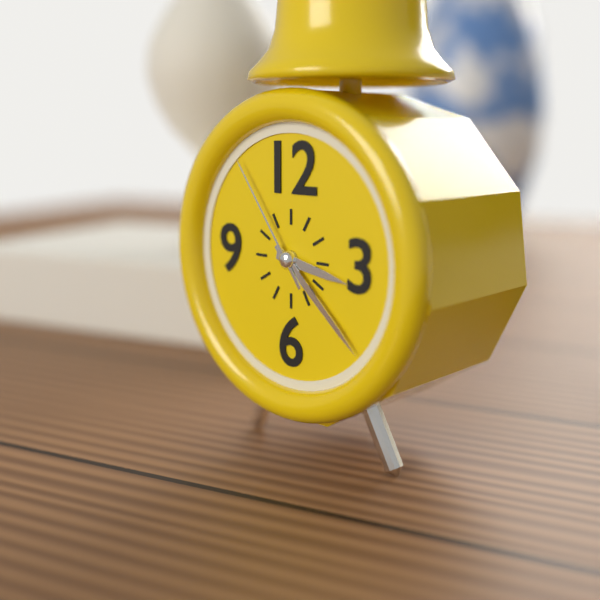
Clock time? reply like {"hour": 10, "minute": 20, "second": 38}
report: {"hour": 3, "minute": 22, "second": 54}
